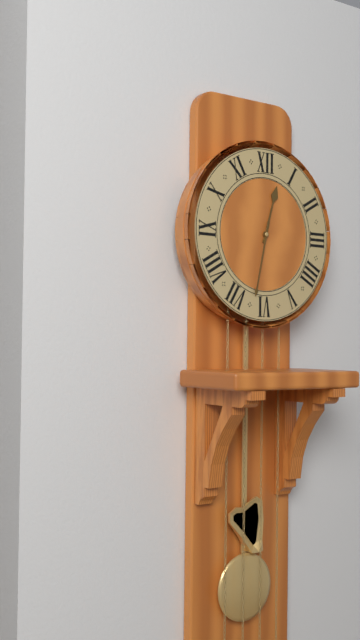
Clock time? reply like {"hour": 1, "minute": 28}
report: {"hour": 12, "minute": 32}
